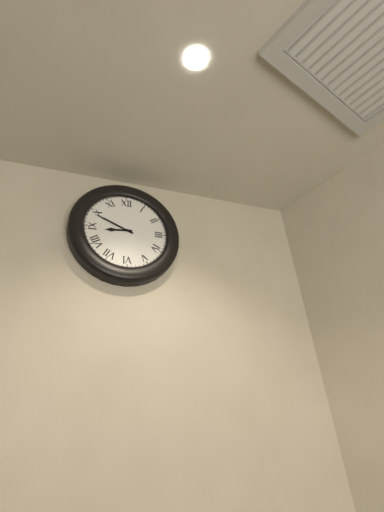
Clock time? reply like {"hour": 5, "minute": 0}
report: {"hour": 8, "minute": 49}
